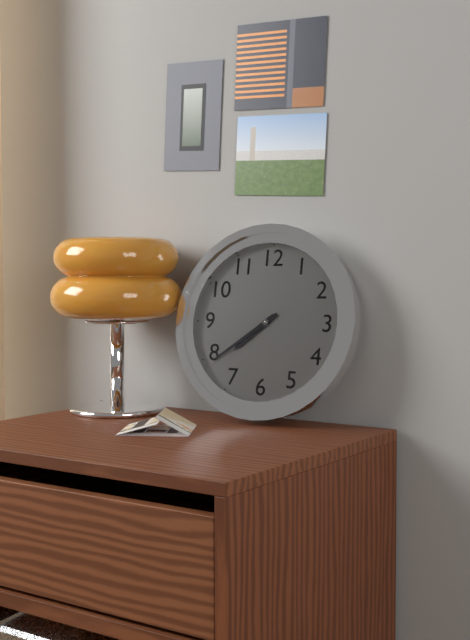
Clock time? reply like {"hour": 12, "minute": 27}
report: {"hour": 7, "minute": 39}
